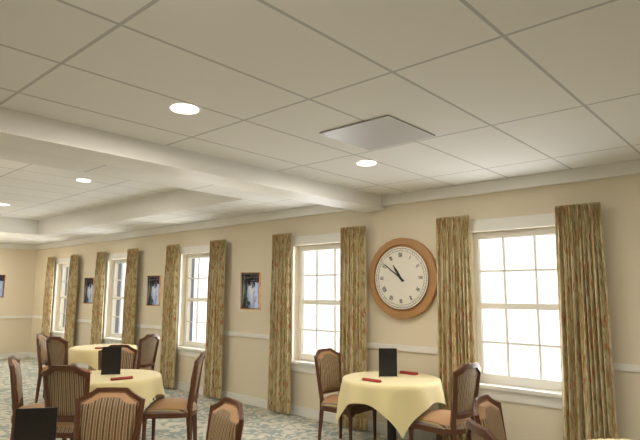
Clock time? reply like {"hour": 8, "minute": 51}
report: {"hour": 10, "minute": 51}
